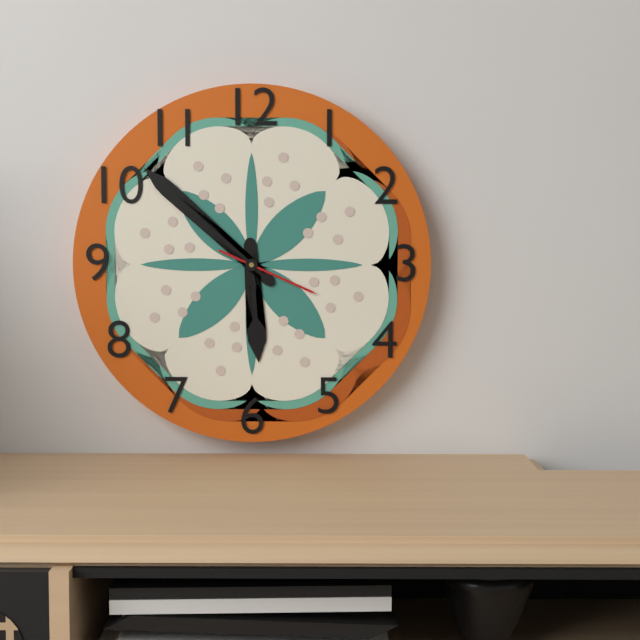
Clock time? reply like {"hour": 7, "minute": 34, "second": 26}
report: {"hour": 5, "minute": 52, "second": 19}
